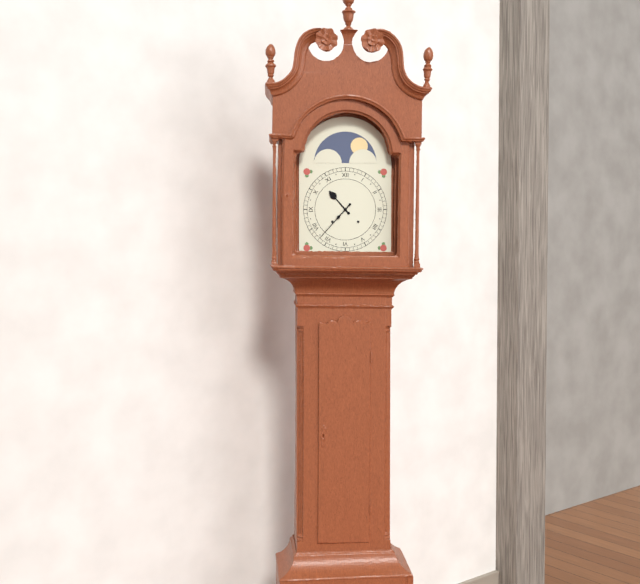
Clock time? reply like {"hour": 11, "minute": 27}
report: {"hour": 10, "minute": 37}
